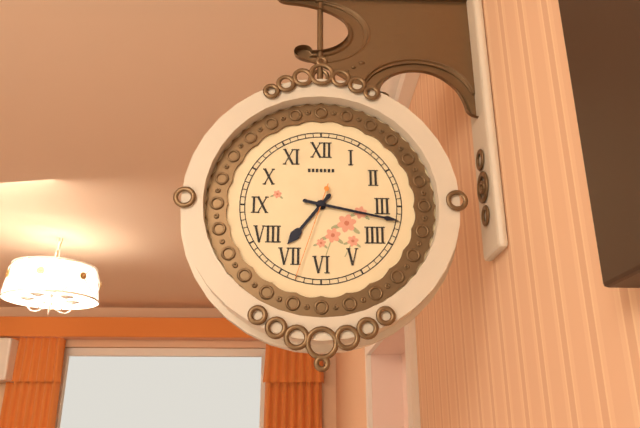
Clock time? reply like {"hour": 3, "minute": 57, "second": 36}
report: {"hour": 7, "minute": 17, "second": 33}
